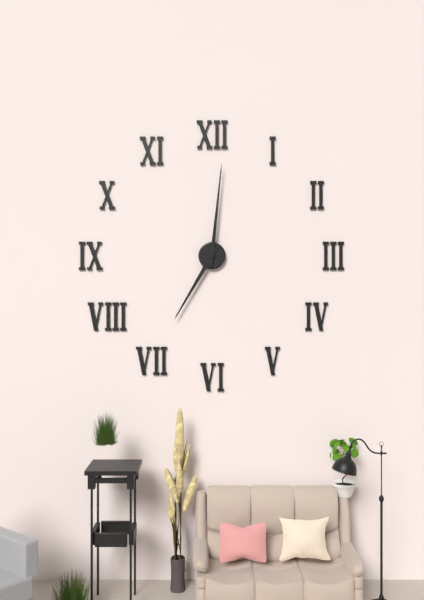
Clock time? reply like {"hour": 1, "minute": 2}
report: {"hour": 7, "minute": 1}
